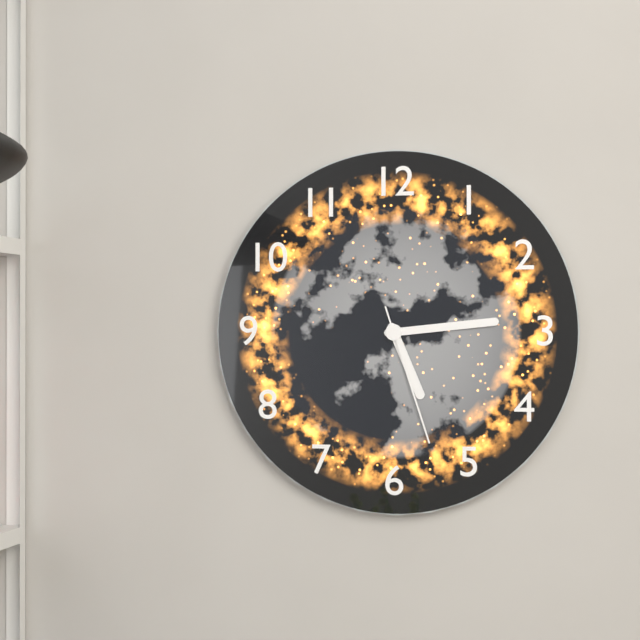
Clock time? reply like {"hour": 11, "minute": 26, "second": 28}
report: {"hour": 5, "minute": 14, "second": 27}
